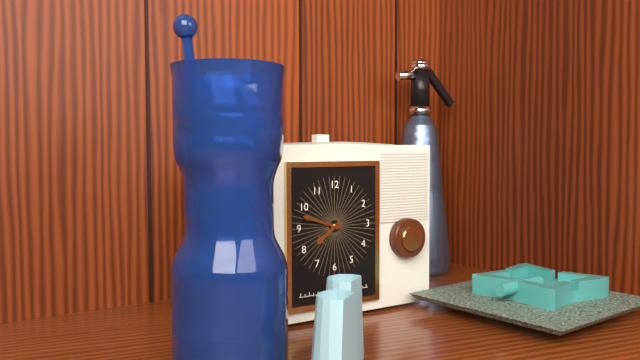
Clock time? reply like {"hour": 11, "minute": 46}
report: {"hour": 7, "minute": 48}
